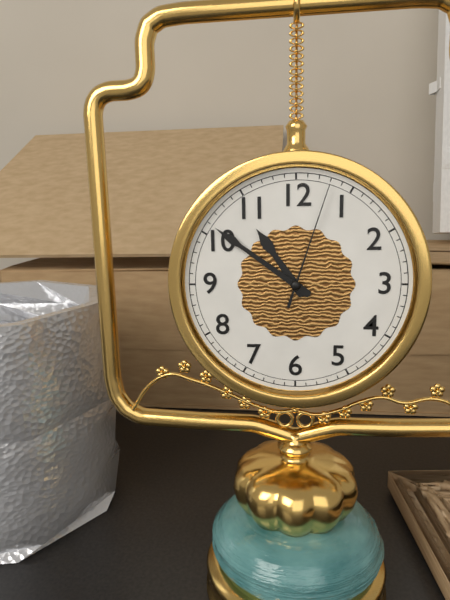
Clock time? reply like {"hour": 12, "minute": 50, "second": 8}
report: {"hour": 10, "minute": 51, "second": 3}
